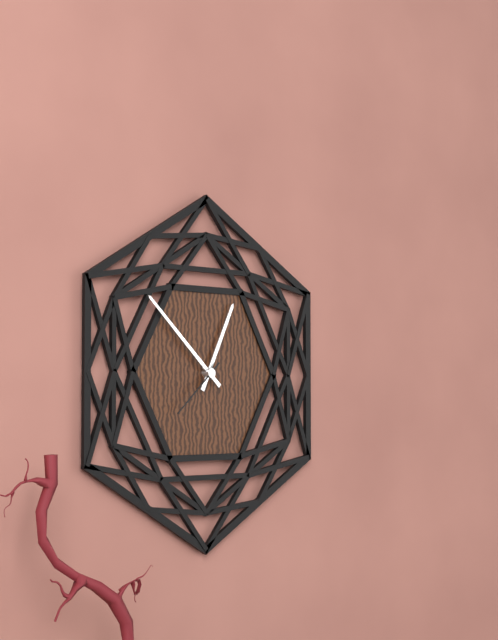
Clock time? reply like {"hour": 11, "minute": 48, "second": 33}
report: {"hour": 12, "minute": 52, "second": 38}
